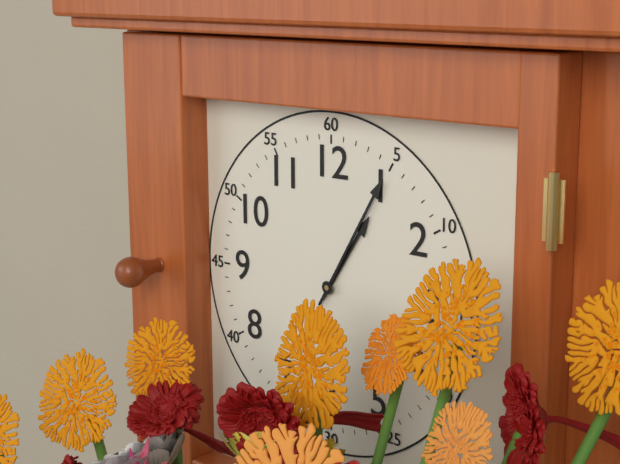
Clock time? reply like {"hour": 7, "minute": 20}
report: {"hour": 1, "minute": 5}
